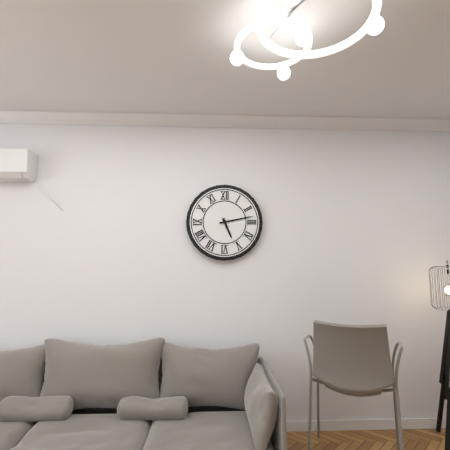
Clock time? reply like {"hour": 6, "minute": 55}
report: {"hour": 5, "minute": 13}
